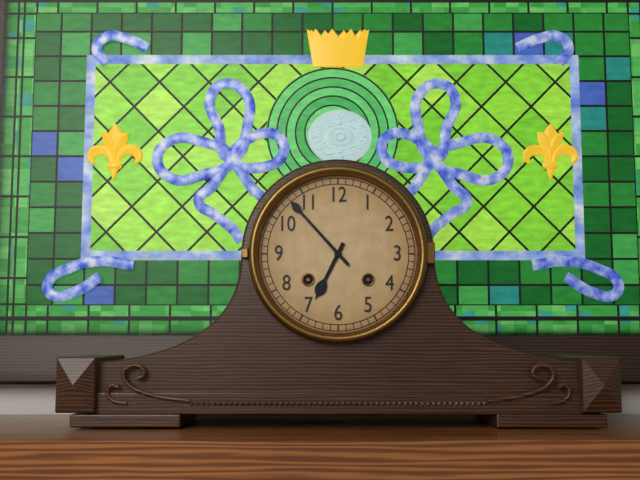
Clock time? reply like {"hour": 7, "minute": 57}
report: {"hour": 6, "minute": 53}
